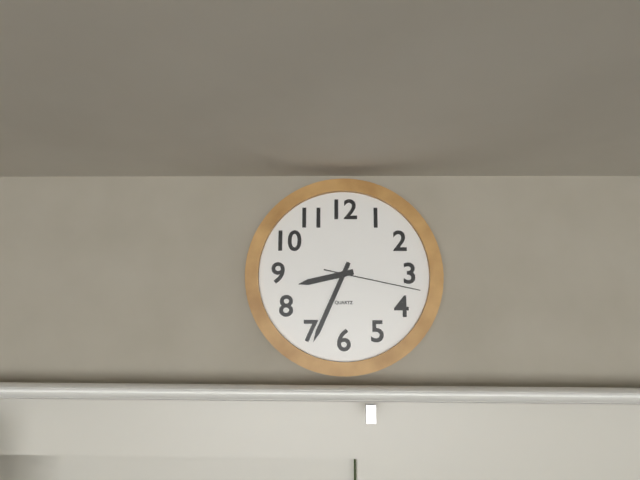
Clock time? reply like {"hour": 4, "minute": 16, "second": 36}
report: {"hour": 8, "minute": 34, "second": 17}
